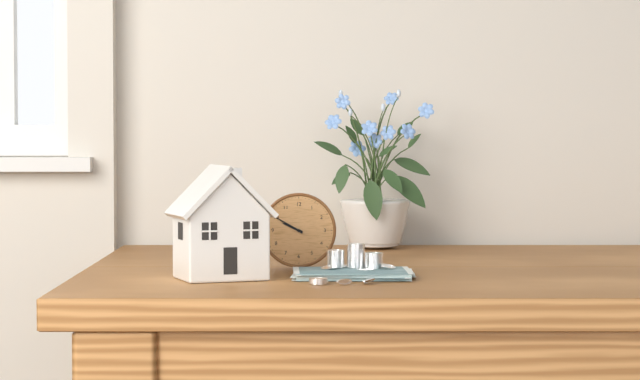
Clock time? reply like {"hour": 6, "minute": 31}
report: {"hour": 9, "minute": 50}
